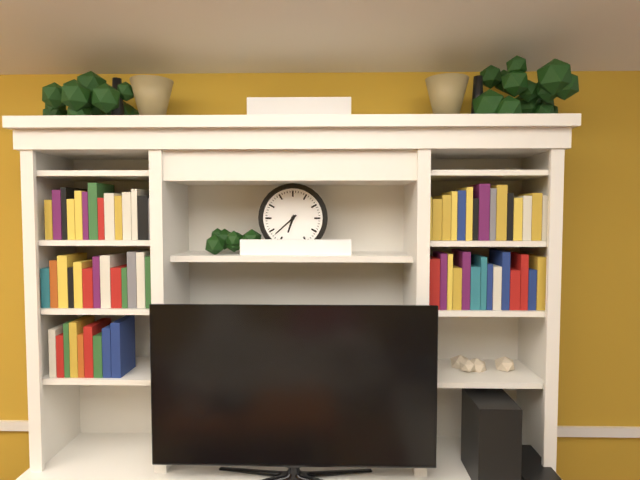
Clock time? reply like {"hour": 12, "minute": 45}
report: {"hour": 6, "minute": 38}
